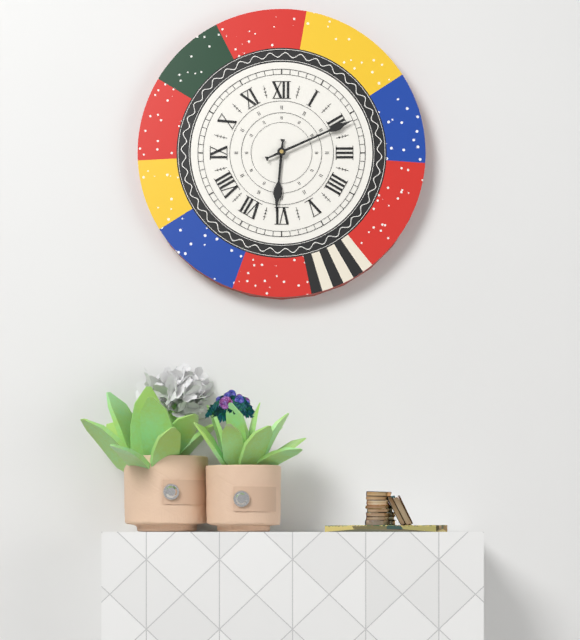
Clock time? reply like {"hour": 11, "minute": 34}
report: {"hour": 6, "minute": 11}
